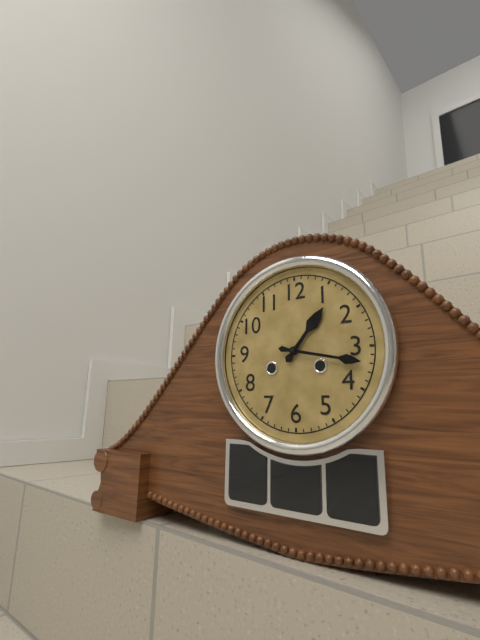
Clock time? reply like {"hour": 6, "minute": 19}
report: {"hour": 1, "minute": 17}
